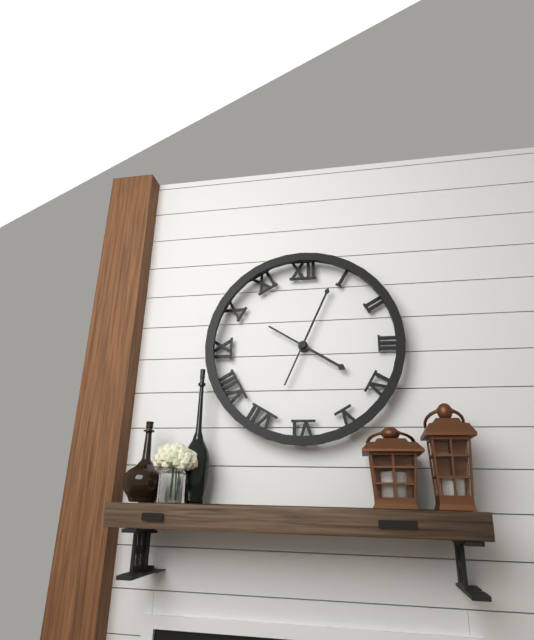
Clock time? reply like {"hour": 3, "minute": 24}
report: {"hour": 4, "minute": 4}
